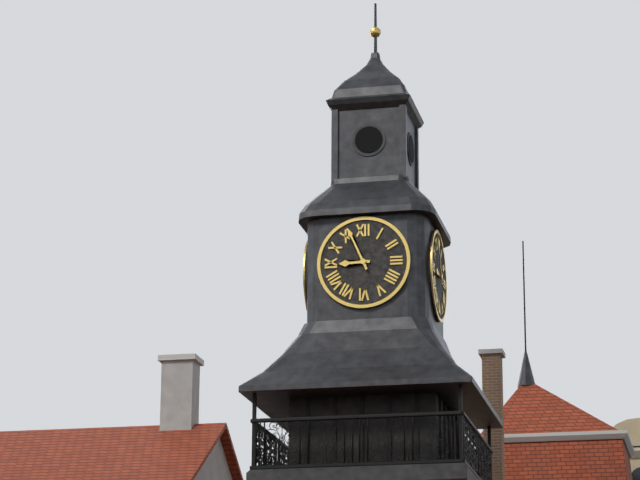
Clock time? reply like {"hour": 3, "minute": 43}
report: {"hour": 8, "minute": 56}
